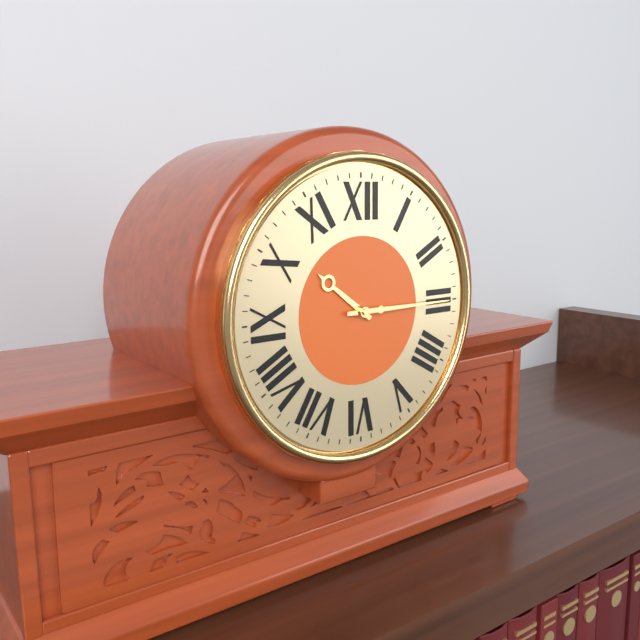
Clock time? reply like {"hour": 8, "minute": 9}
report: {"hour": 10, "minute": 15}
